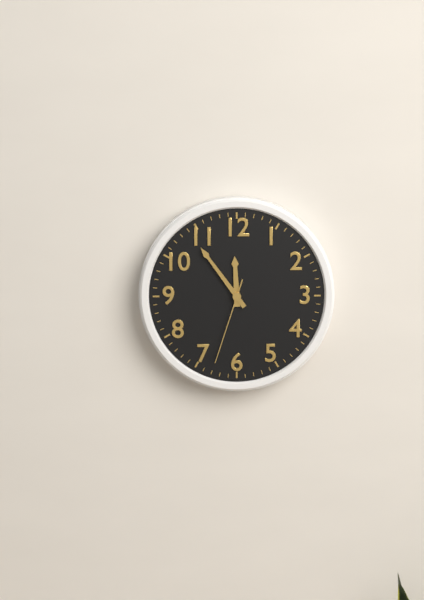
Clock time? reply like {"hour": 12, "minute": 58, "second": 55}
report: {"hour": 11, "minute": 54, "second": 33}
